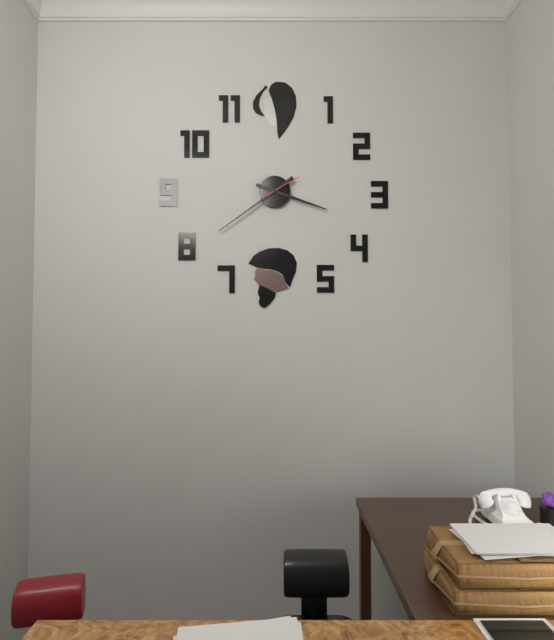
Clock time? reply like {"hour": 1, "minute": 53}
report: {"hour": 3, "minute": 39}
